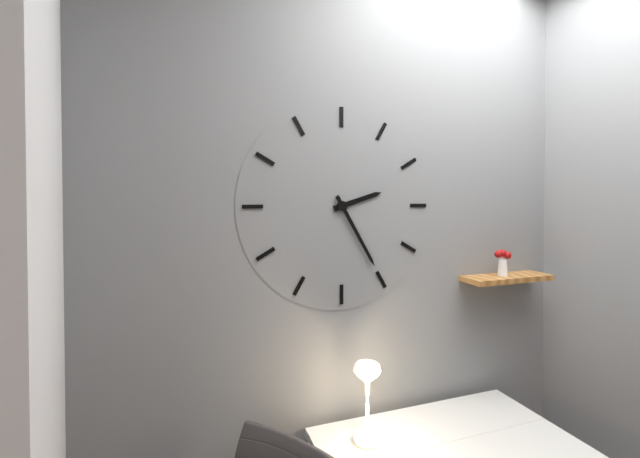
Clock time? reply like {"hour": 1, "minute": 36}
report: {"hour": 2, "minute": 25}
